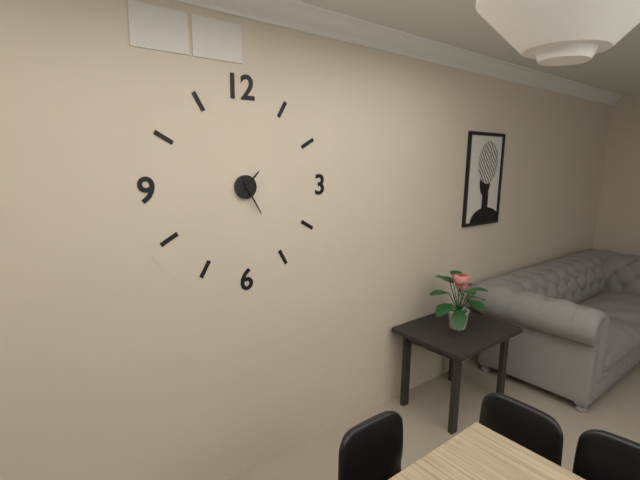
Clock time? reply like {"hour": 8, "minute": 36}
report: {"hour": 1, "minute": 25}
